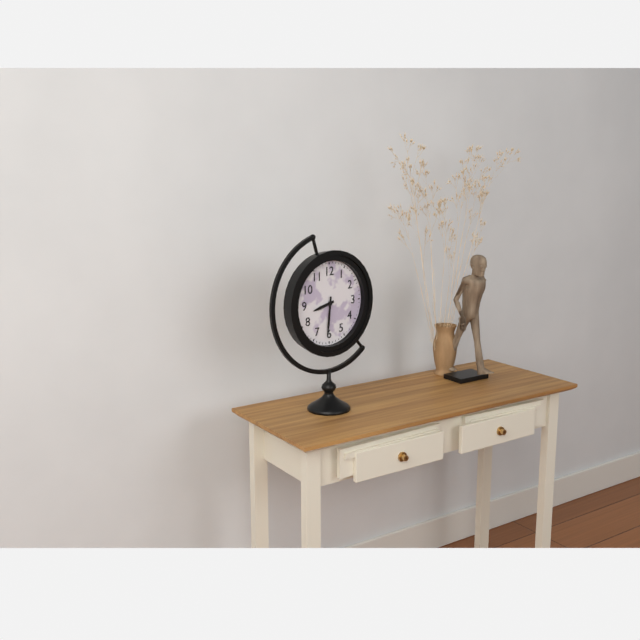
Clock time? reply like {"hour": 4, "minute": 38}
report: {"hour": 8, "minute": 31}
